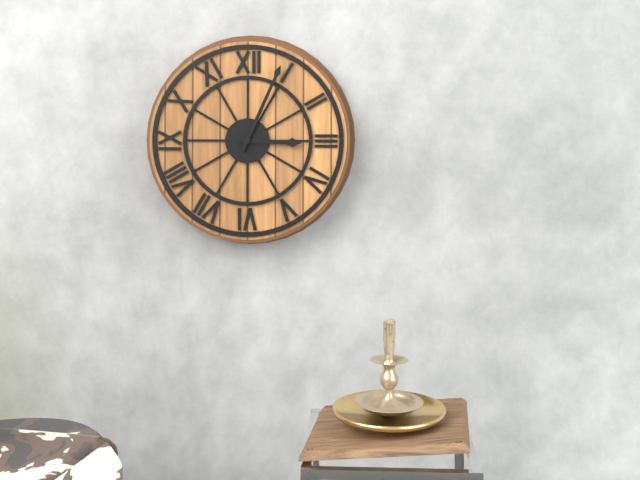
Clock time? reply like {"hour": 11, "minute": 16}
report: {"hour": 3, "minute": 4}
